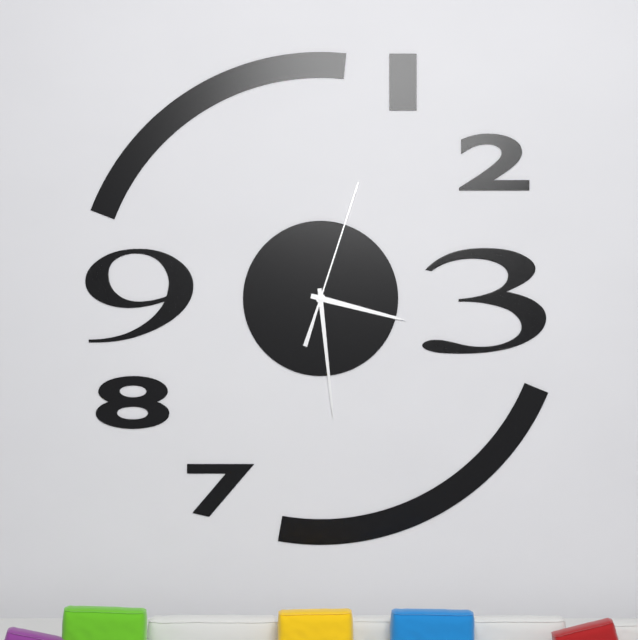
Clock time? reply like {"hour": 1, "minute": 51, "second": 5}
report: {"hour": 3, "minute": 29, "second": 3}
